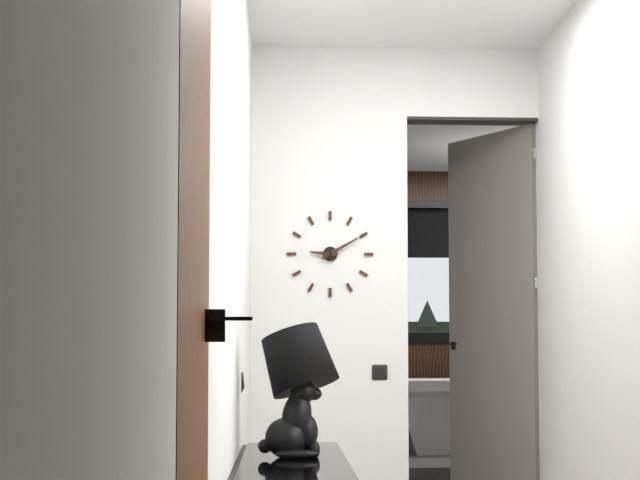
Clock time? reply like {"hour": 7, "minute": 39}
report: {"hour": 9, "minute": 10}
